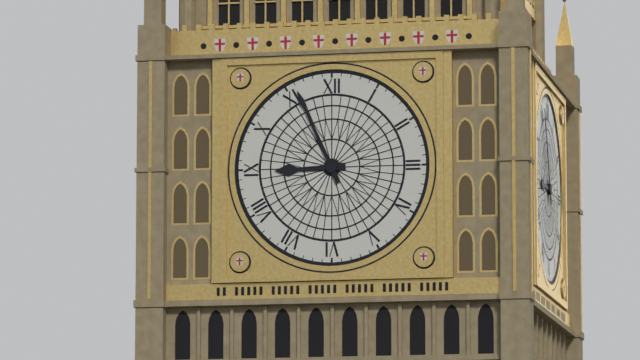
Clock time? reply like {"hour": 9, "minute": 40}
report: {"hour": 8, "minute": 56}
